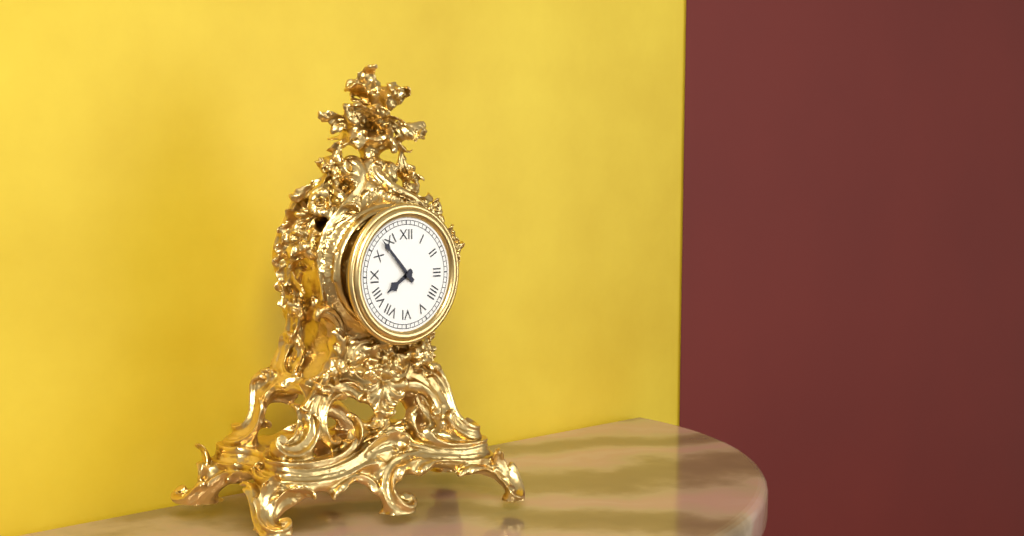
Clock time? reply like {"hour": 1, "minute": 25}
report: {"hour": 7, "minute": 53}
